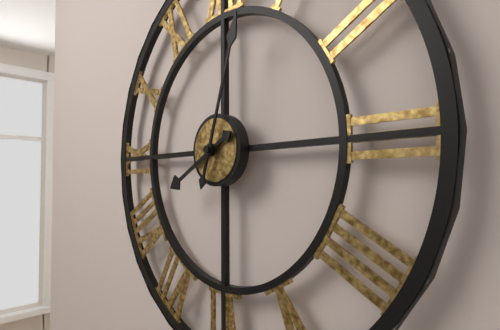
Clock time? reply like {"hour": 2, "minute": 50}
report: {"hour": 8, "minute": 3}
